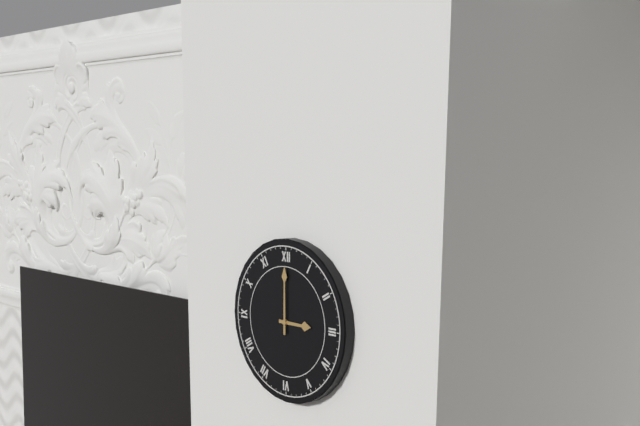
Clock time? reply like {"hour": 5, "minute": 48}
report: {"hour": 3, "minute": 0}
